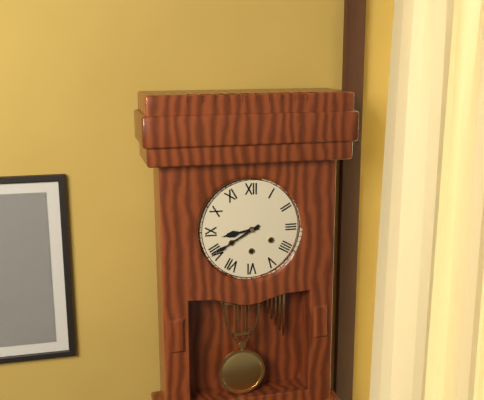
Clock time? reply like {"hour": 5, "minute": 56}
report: {"hour": 8, "minute": 40}
